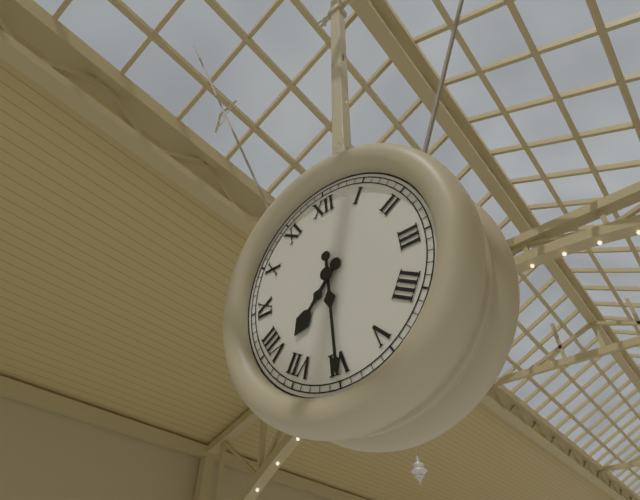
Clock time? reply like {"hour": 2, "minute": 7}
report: {"hour": 7, "minute": 30}
